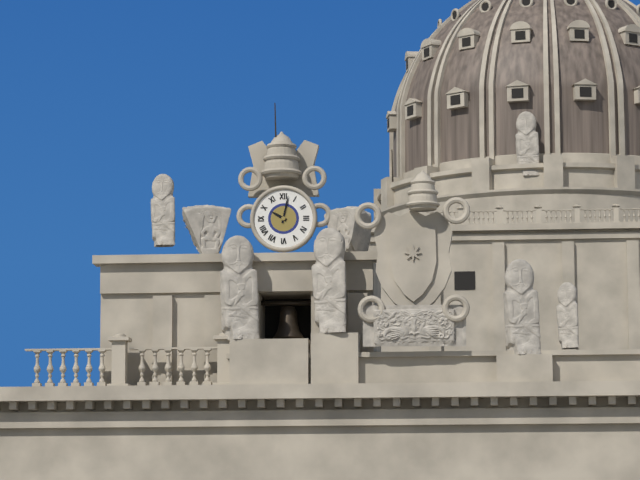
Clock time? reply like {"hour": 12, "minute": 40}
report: {"hour": 10, "minute": 2}
